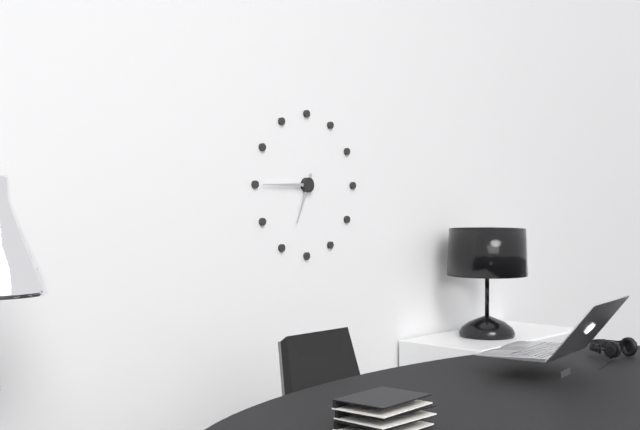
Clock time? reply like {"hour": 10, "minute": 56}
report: {"hour": 6, "minute": 45}
